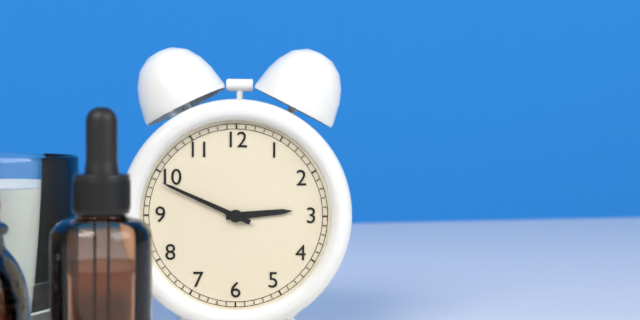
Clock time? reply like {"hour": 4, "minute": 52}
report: {"hour": 2, "minute": 49}
